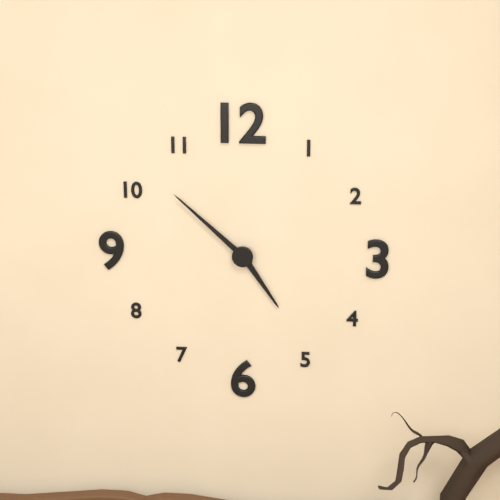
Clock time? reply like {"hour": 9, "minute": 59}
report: {"hour": 4, "minute": 52}
